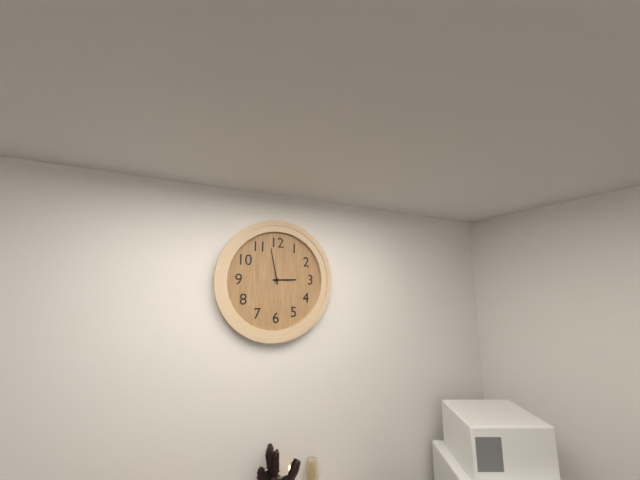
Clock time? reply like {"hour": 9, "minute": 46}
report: {"hour": 2, "minute": 58}
